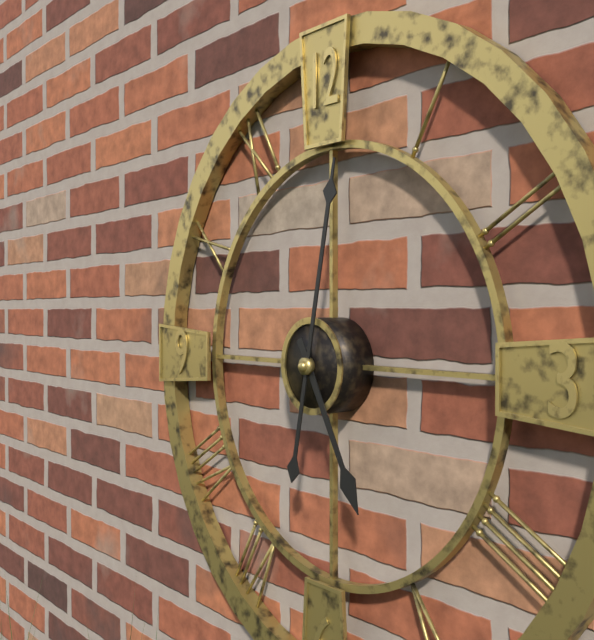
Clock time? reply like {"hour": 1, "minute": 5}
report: {"hour": 5, "minute": 2}
